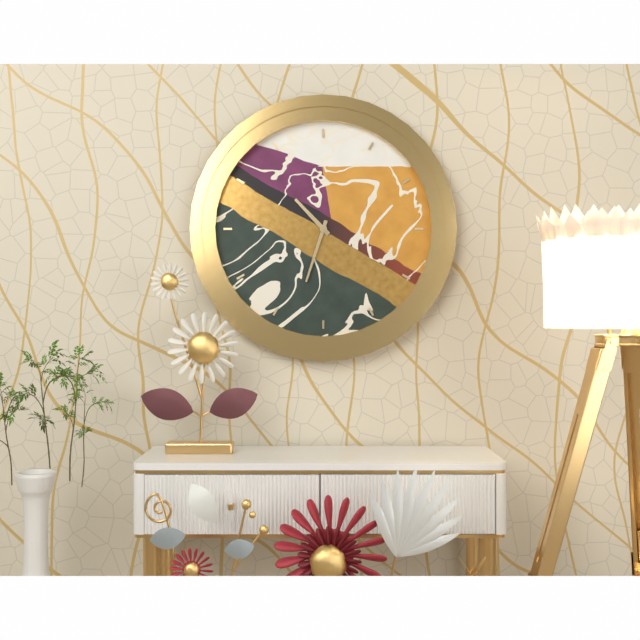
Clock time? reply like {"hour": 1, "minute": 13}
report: {"hour": 10, "minute": 33}
